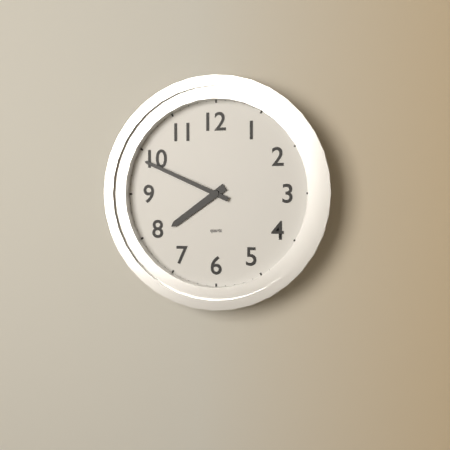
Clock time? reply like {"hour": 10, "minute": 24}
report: {"hour": 7, "minute": 49}
